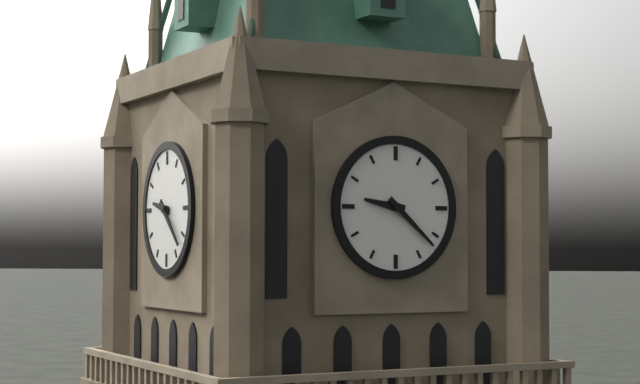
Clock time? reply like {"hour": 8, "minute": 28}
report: {"hour": 9, "minute": 22}
